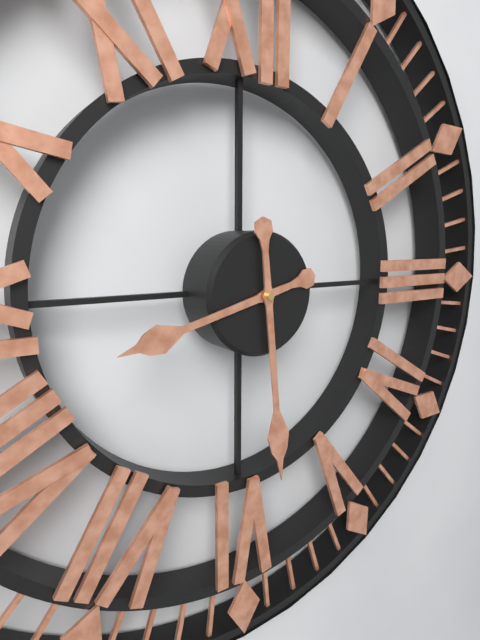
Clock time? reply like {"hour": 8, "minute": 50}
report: {"hour": 8, "minute": 29}
